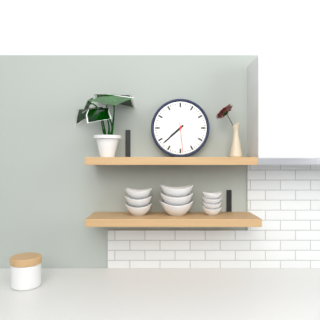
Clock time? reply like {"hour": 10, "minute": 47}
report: {"hour": 7, "minute": 38}
